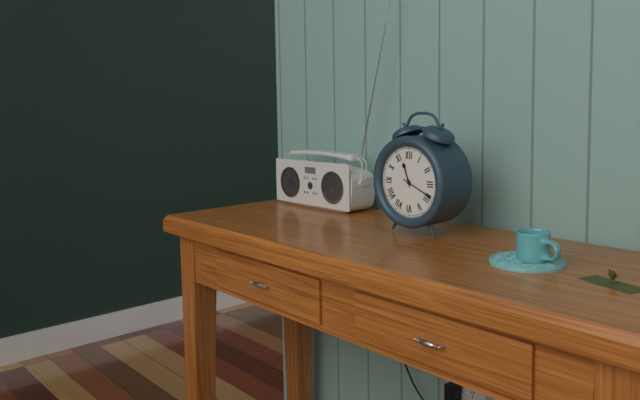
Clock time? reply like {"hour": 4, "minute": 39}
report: {"hour": 11, "minute": 19}
